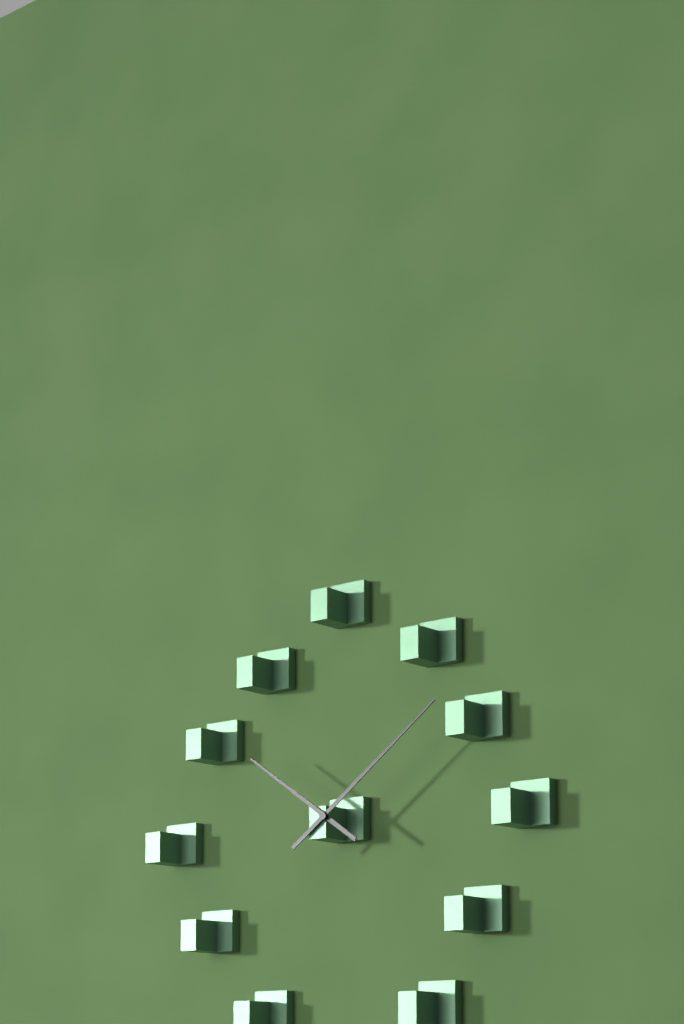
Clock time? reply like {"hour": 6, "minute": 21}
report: {"hour": 10, "minute": 9}
